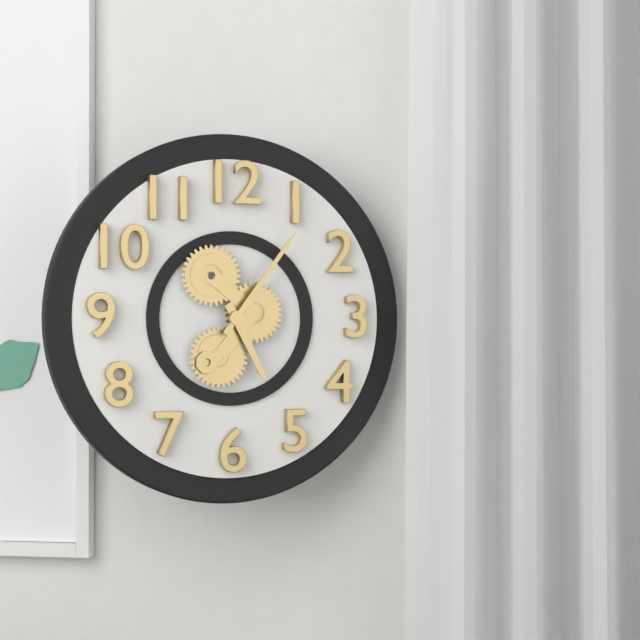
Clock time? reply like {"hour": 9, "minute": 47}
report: {"hour": 5, "minute": 6}
